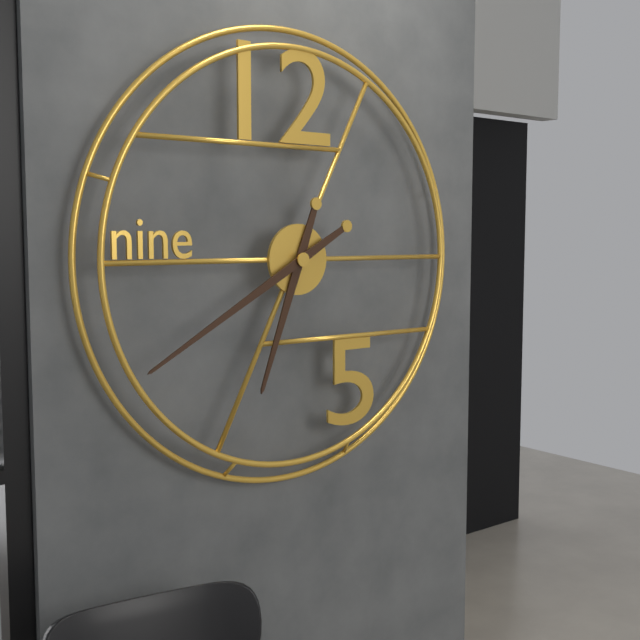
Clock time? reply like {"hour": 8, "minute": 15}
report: {"hour": 6, "minute": 40}
